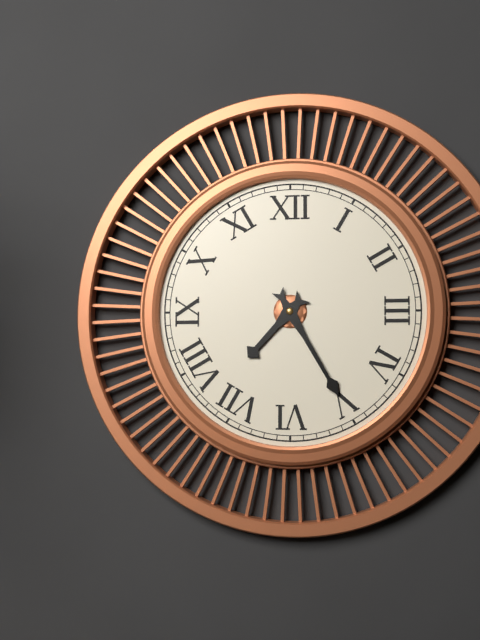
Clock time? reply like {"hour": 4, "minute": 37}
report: {"hour": 7, "minute": 25}
